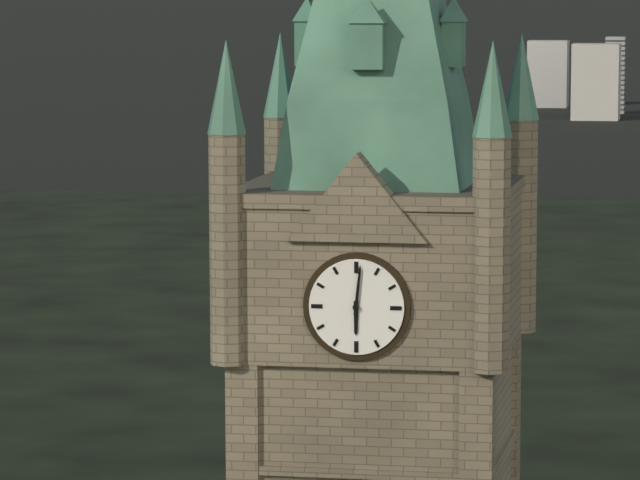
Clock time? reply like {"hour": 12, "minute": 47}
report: {"hour": 6, "minute": 1}
